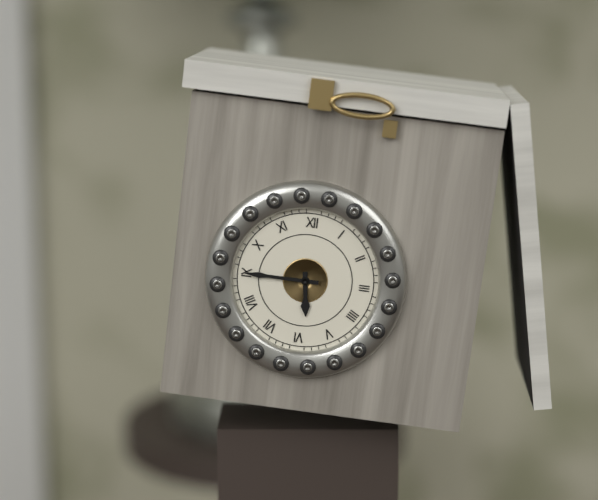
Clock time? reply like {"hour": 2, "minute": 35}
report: {"hour": 5, "minute": 45}
